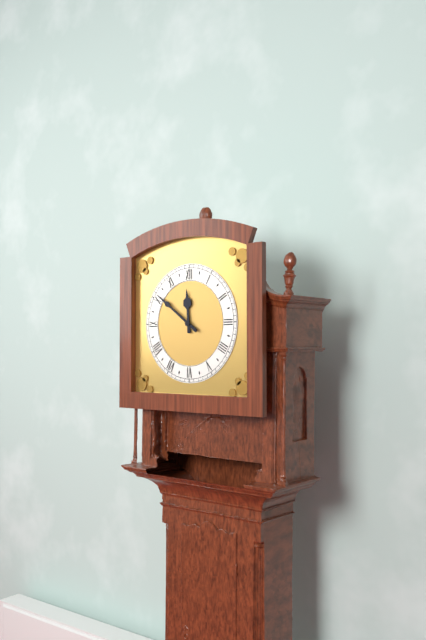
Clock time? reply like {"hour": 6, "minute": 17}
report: {"hour": 11, "minute": 51}
